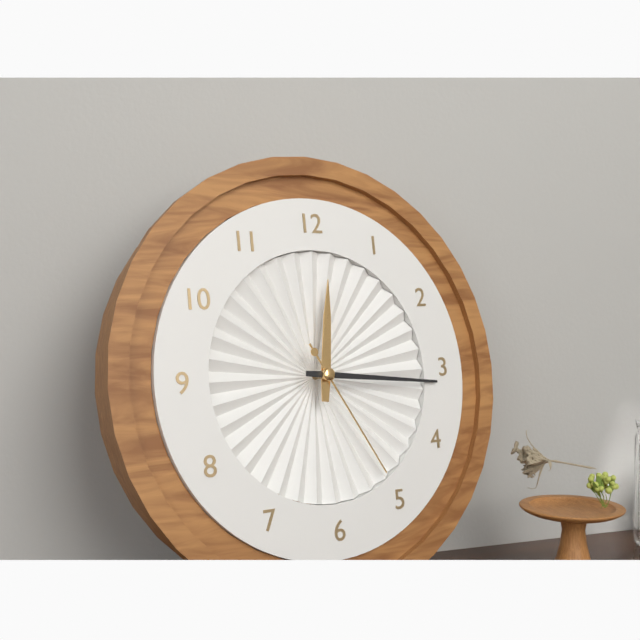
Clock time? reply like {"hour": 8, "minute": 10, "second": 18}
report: {"hour": 12, "minute": 16, "second": 25}
